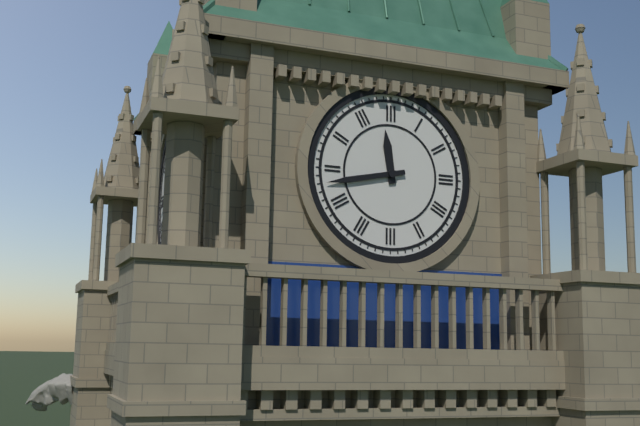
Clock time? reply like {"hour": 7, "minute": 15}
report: {"hour": 11, "minute": 43}
